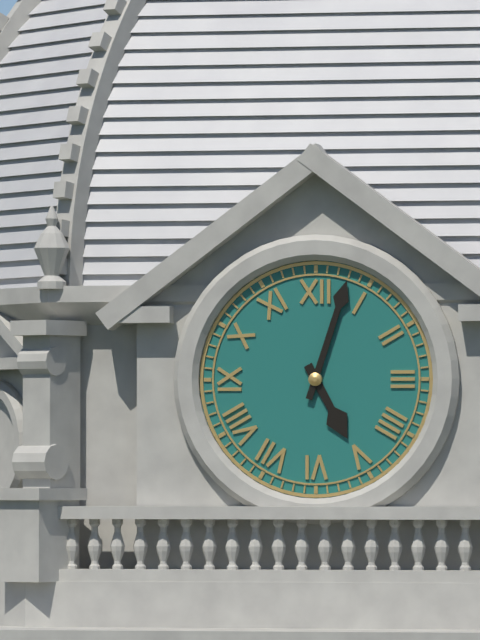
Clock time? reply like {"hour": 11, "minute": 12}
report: {"hour": 5, "minute": 3}
